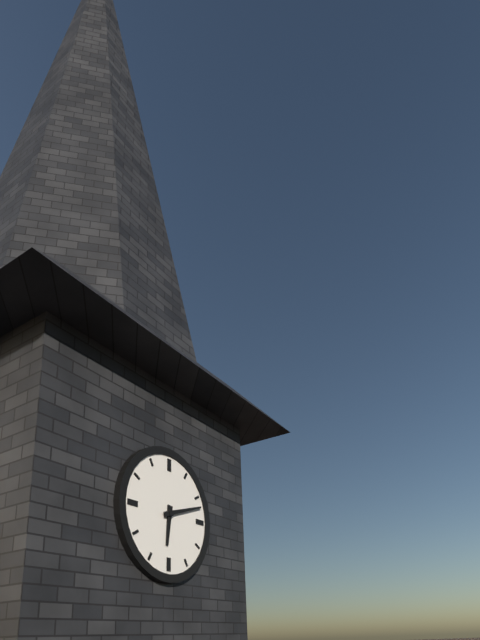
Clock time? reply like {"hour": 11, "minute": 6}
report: {"hour": 6, "minute": 12}
